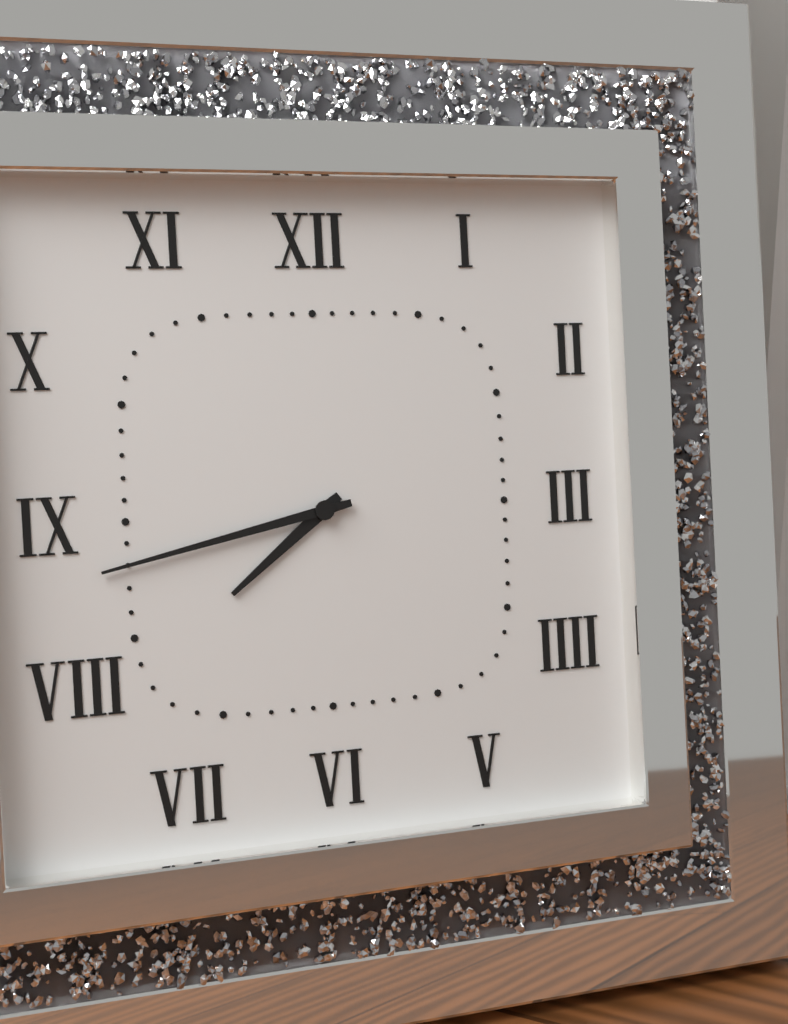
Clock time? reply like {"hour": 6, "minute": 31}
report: {"hour": 7, "minute": 43}
